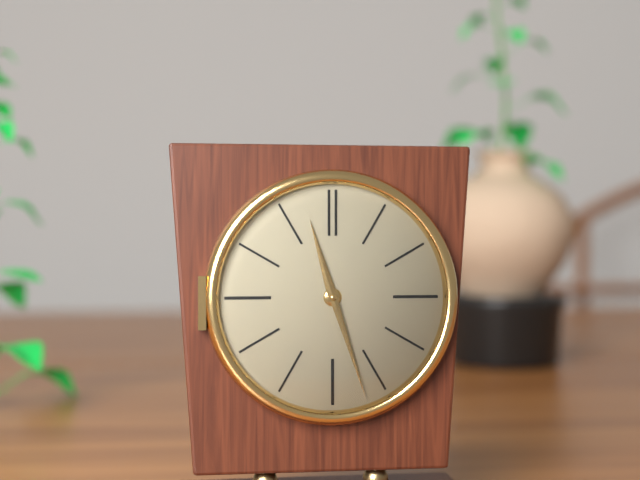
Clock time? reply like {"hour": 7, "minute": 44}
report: {"hour": 11, "minute": 27}
